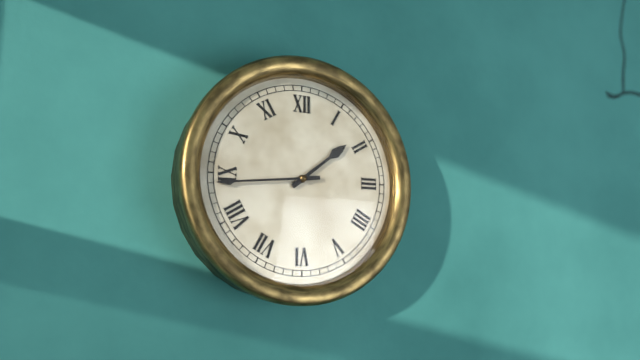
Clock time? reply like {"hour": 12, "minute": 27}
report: {"hour": 1, "minute": 44}
